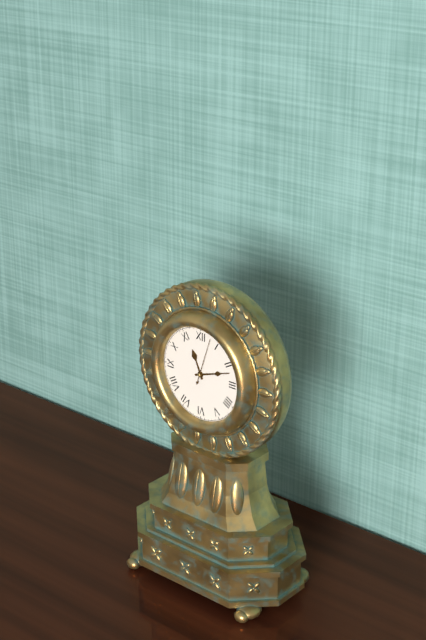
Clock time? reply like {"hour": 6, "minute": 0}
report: {"hour": 11, "minute": 12}
